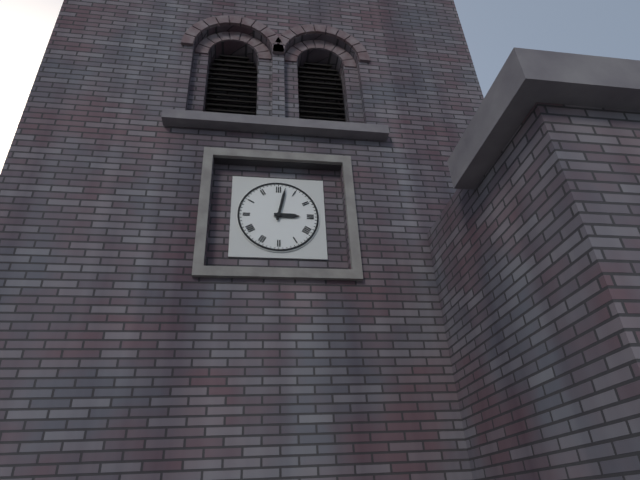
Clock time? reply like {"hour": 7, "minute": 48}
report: {"hour": 3, "minute": 2}
